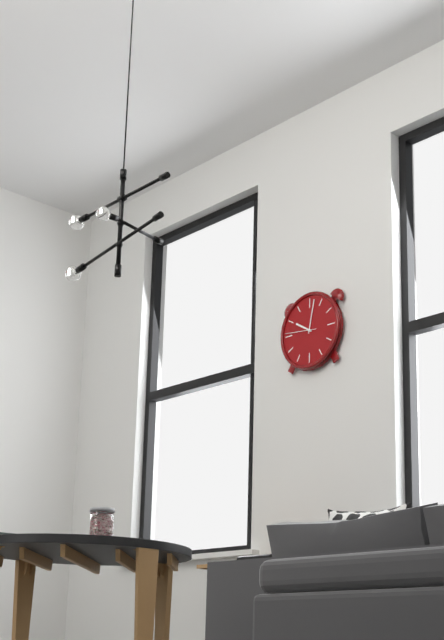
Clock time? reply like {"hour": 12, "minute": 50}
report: {"hour": 10, "minute": 2}
